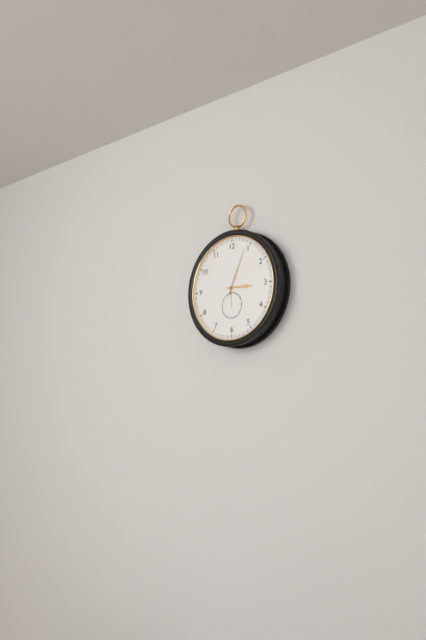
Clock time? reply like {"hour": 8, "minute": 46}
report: {"hour": 3, "minute": 4}
